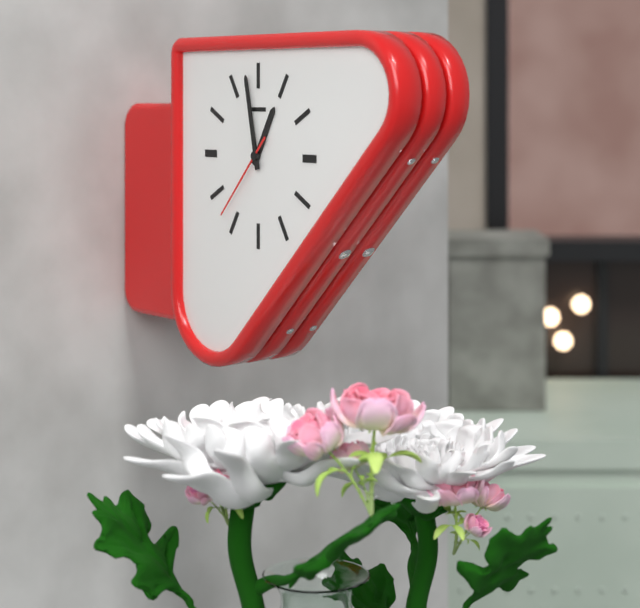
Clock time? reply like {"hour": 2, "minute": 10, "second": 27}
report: {"hour": 12, "minute": 58, "second": 37}
